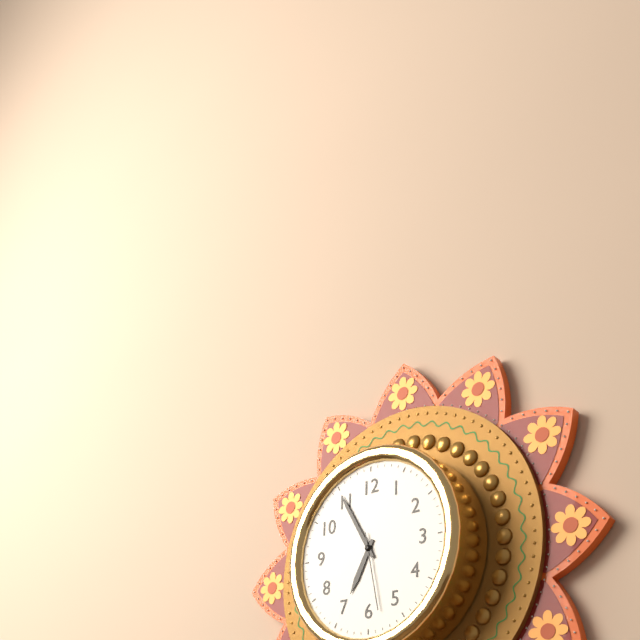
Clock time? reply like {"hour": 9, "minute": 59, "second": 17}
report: {"hour": 6, "minute": 55, "second": 28}
